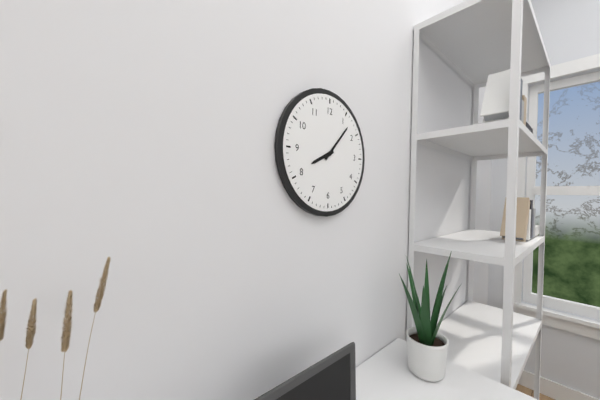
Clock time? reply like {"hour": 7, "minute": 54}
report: {"hour": 8, "minute": 7}
